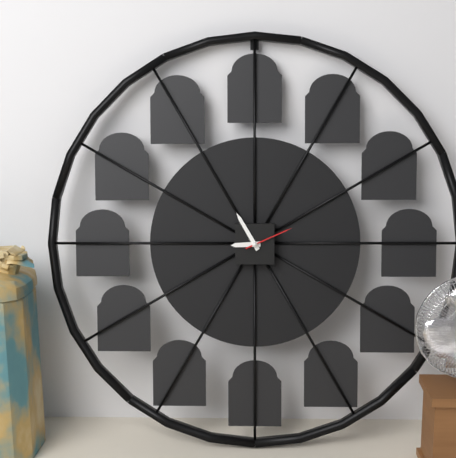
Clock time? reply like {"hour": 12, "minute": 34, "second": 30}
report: {"hour": 8, "minute": 55, "second": 11}
